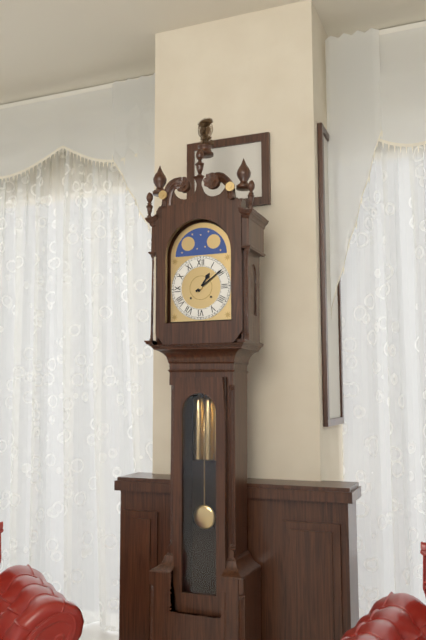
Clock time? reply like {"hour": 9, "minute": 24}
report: {"hour": 1, "minute": 9}
